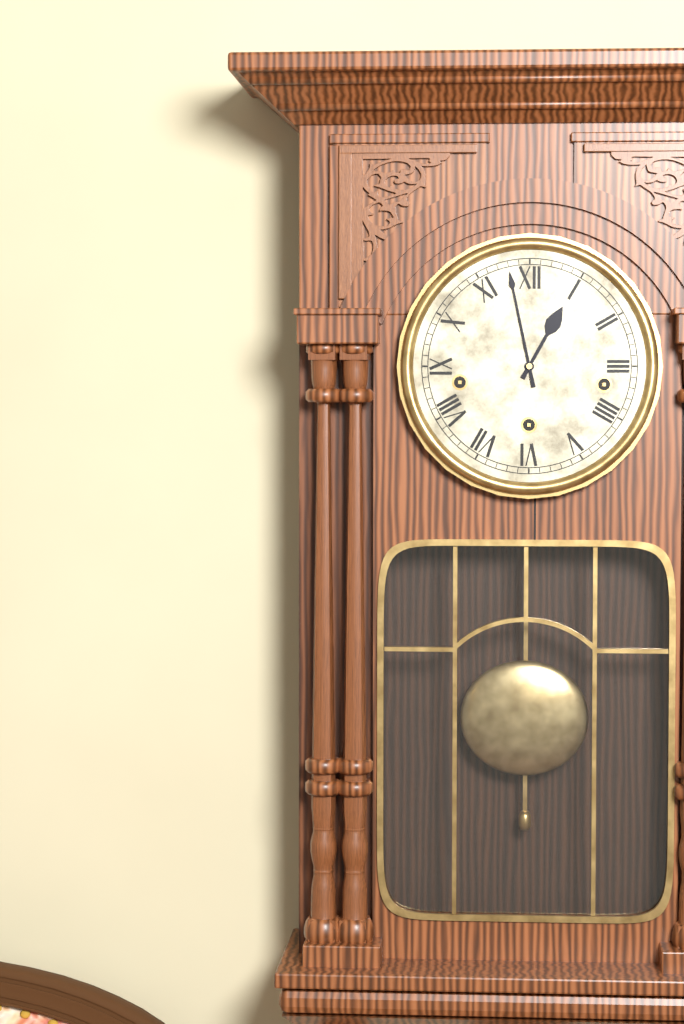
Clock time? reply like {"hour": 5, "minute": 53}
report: {"hour": 12, "minute": 58}
